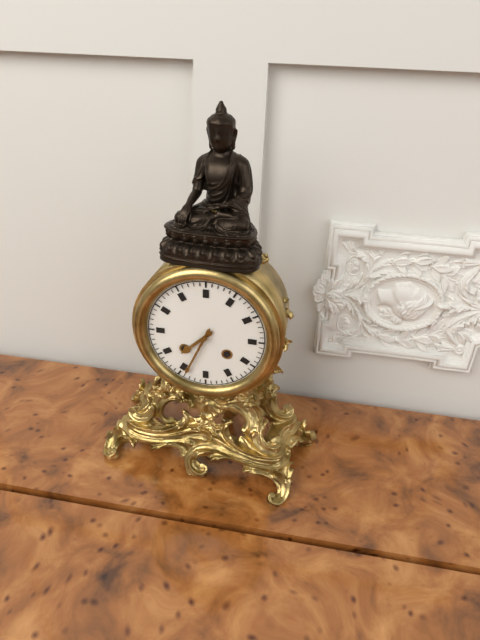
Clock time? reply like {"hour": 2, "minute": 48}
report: {"hour": 7, "minute": 34}
